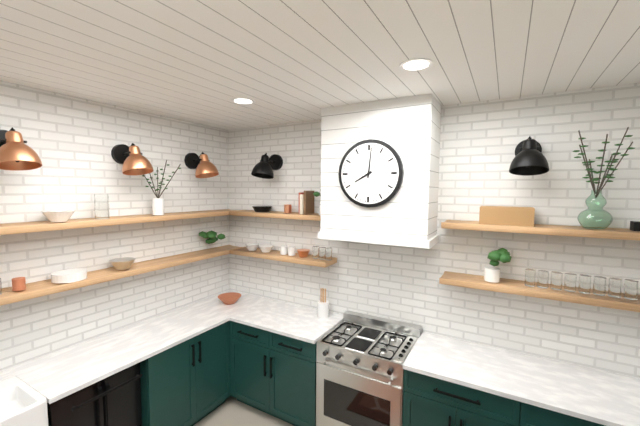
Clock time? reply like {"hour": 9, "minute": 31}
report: {"hour": 8, "minute": 1}
